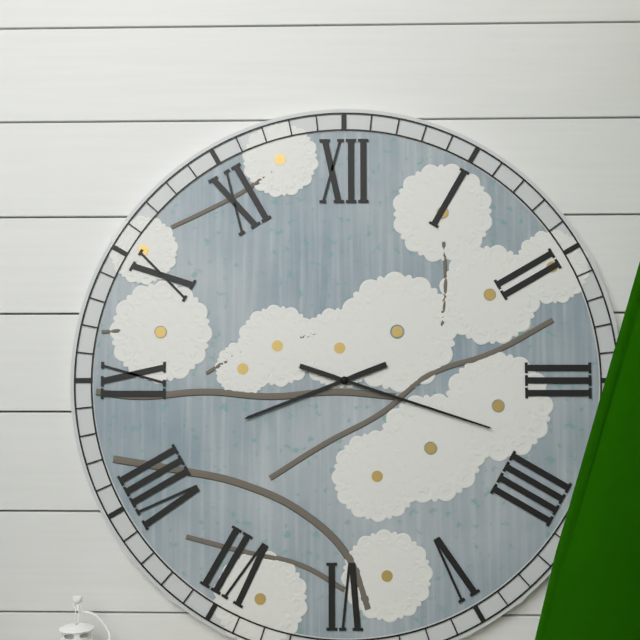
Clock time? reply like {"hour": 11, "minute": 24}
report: {"hour": 8, "minute": 18}
